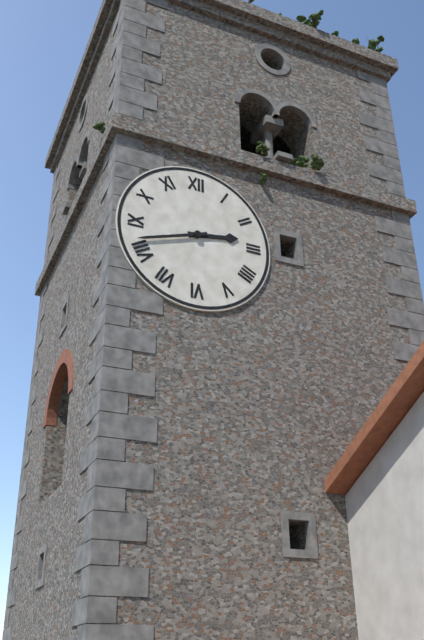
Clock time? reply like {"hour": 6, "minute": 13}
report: {"hour": 2, "minute": 42}
